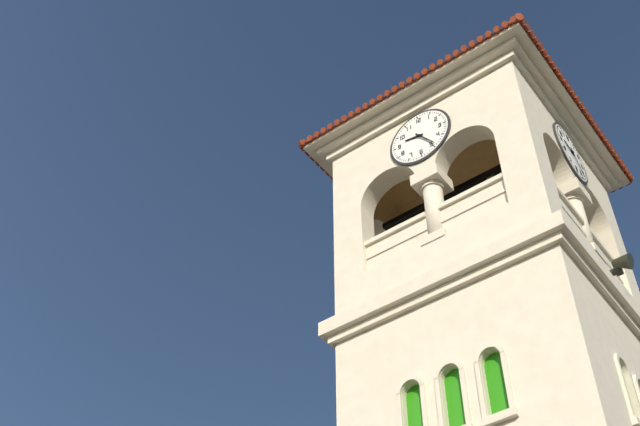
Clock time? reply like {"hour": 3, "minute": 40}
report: {"hour": 9, "minute": 24}
